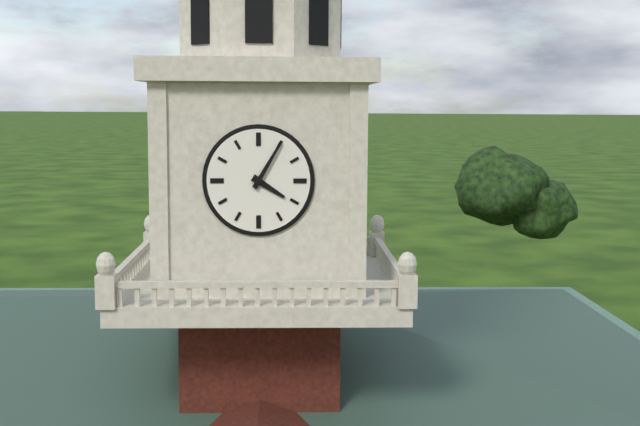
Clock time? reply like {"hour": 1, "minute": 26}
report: {"hour": 4, "minute": 5}
